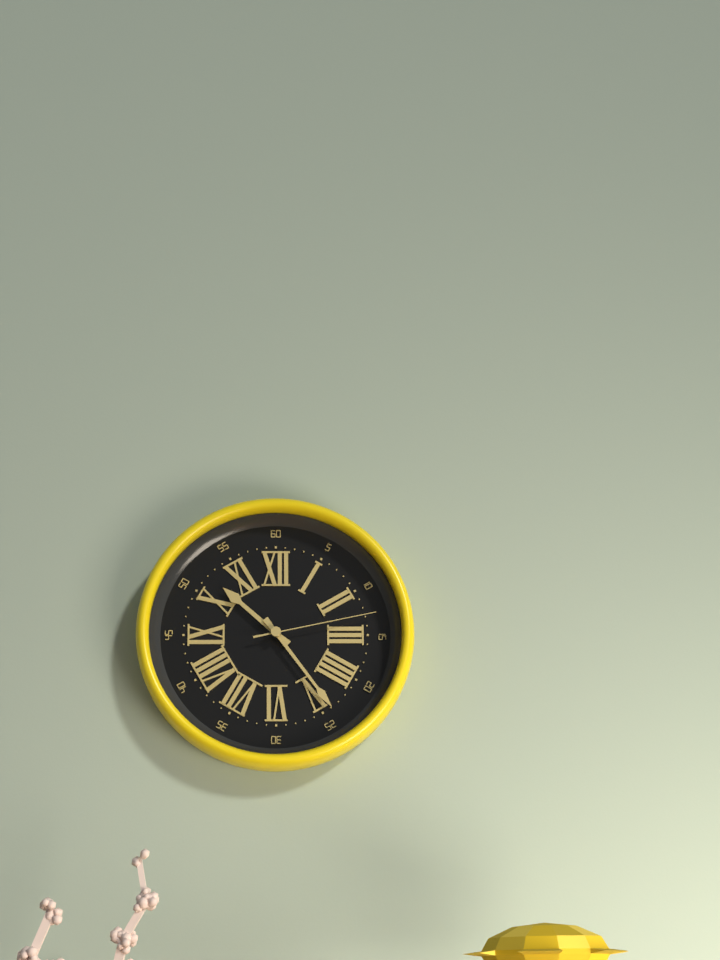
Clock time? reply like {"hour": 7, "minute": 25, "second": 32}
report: {"hour": 10, "minute": 24, "second": 13}
